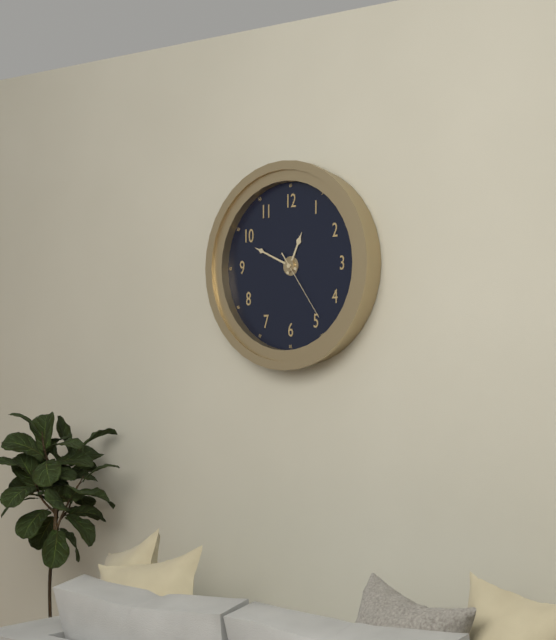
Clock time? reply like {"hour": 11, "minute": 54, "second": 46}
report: {"hour": 12, "minute": 49, "second": 24}
